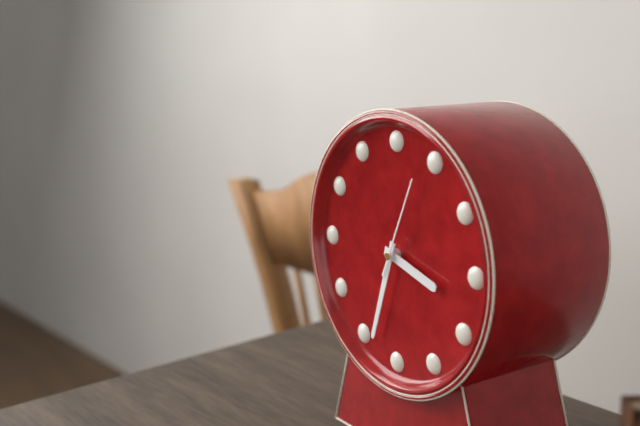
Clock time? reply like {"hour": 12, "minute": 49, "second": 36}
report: {"hour": 3, "minute": 33, "second": 4}
